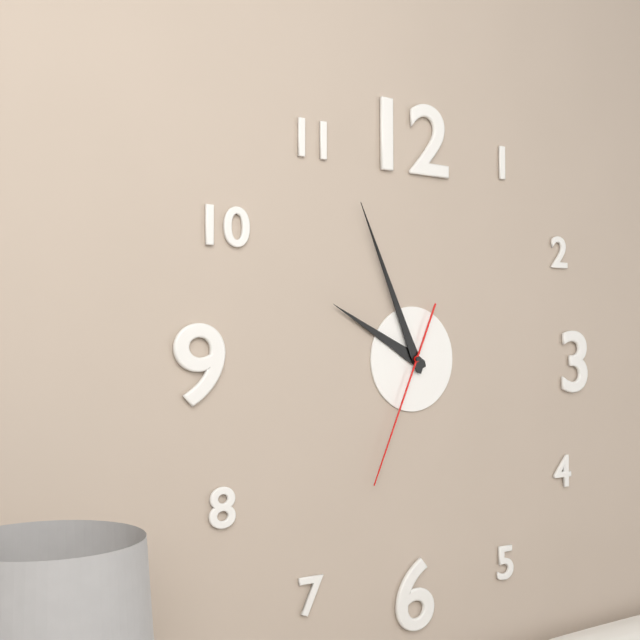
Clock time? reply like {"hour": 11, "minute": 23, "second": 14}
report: {"hour": 9, "minute": 56, "second": 34}
